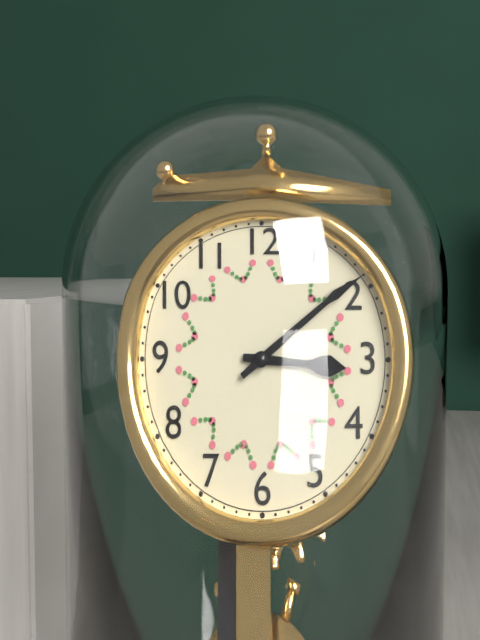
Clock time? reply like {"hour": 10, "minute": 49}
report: {"hour": 3, "minute": 9}
